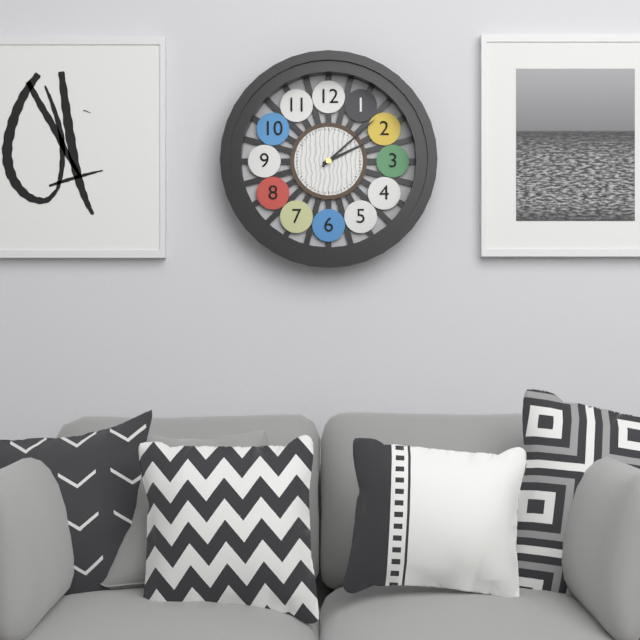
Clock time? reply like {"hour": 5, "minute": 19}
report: {"hour": 2, "minute": 8}
